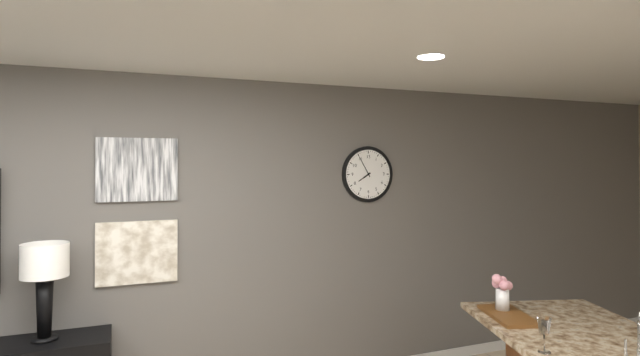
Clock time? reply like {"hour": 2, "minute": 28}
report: {"hour": 7, "minute": 55}
